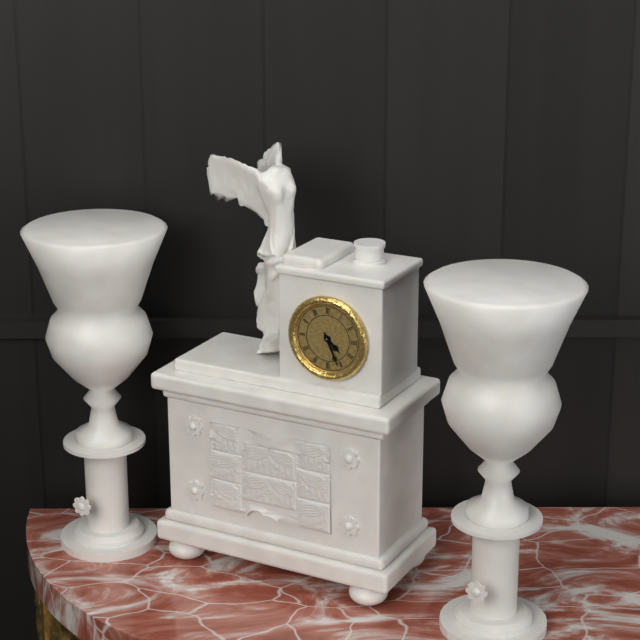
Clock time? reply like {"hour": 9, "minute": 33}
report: {"hour": 4, "minute": 26}
